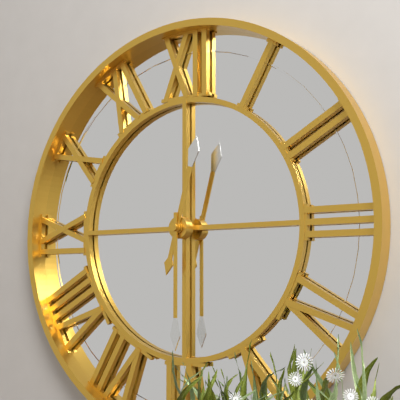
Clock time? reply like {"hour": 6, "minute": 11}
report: {"hour": 12, "minute": 30}
